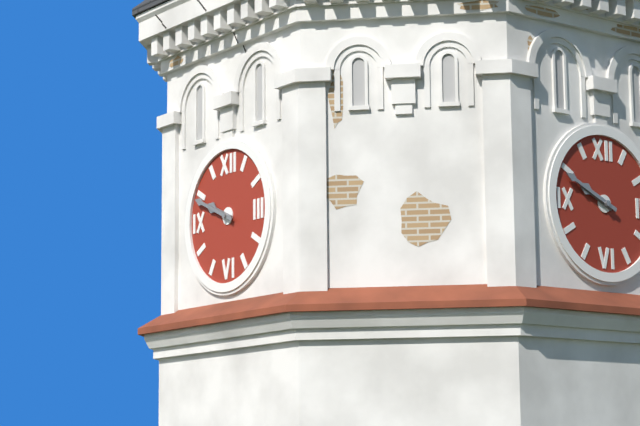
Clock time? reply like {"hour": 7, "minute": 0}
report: {"hour": 9, "minute": 49}
